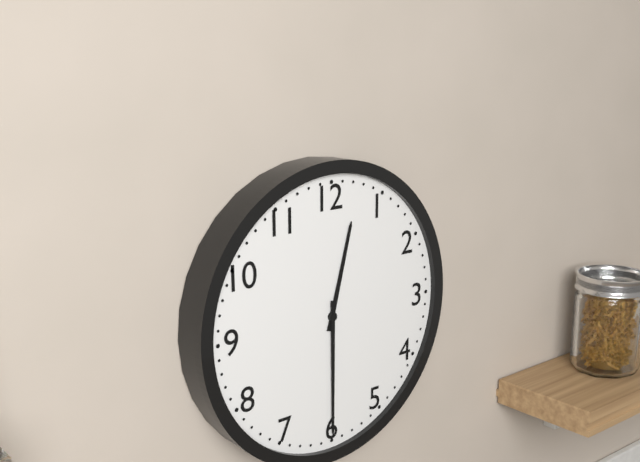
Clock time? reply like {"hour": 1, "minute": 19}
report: {"hour": 12, "minute": 30}
